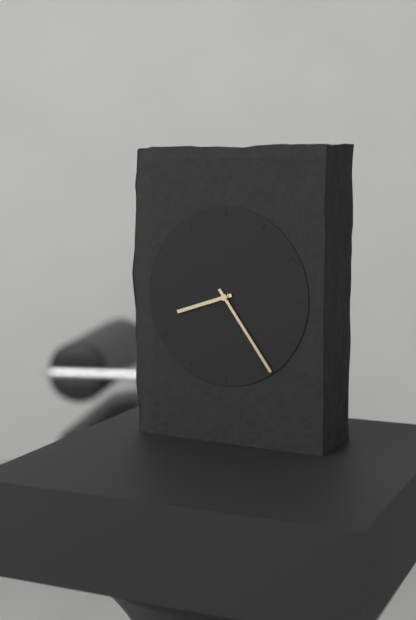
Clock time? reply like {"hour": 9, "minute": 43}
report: {"hour": 8, "minute": 24}
